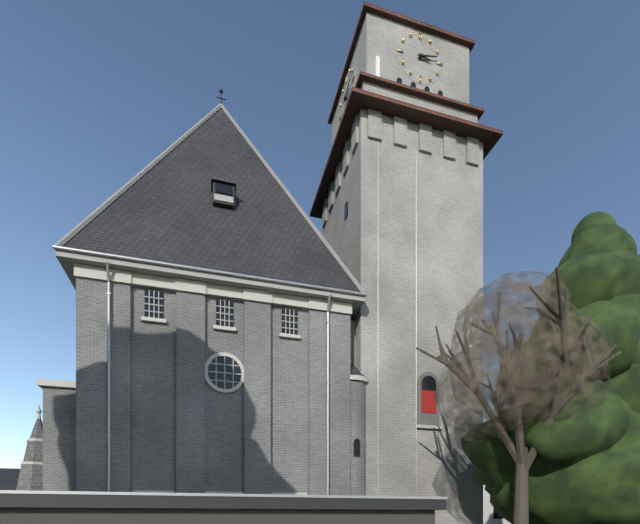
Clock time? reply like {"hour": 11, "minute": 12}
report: {"hour": 3, "minute": 13}
